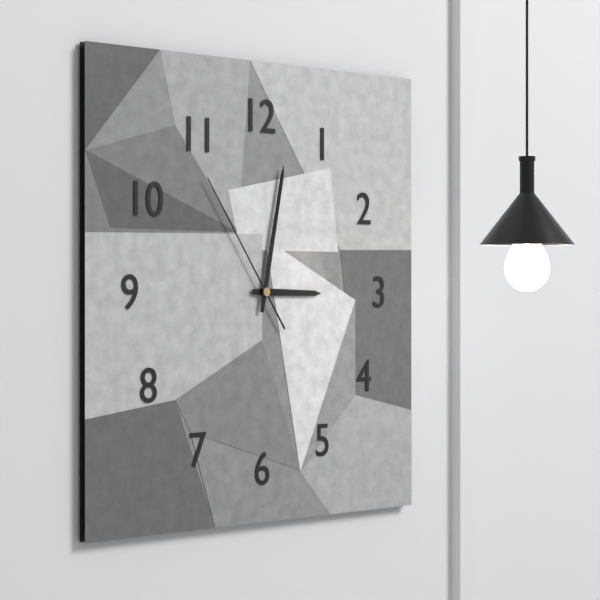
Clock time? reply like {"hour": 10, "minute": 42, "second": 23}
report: {"hour": 3, "minute": 2, "second": 54}
